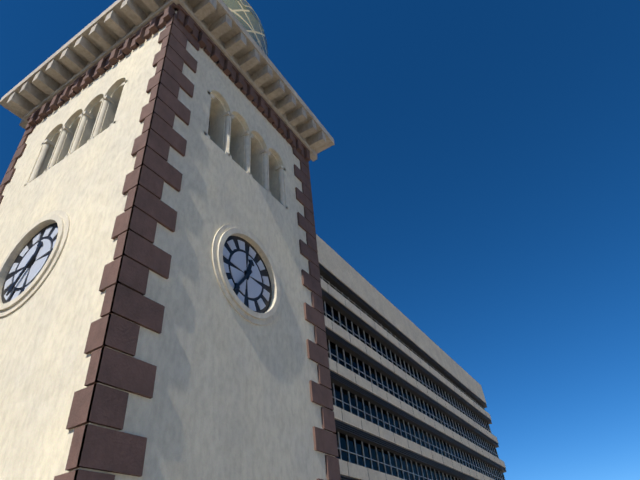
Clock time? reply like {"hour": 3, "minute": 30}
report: {"hour": 12, "minute": 36}
